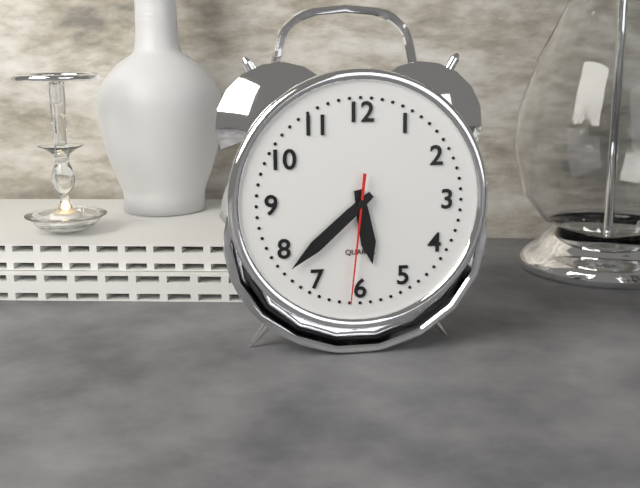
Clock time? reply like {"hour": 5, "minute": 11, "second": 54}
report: {"hour": 5, "minute": 38, "second": 31}
